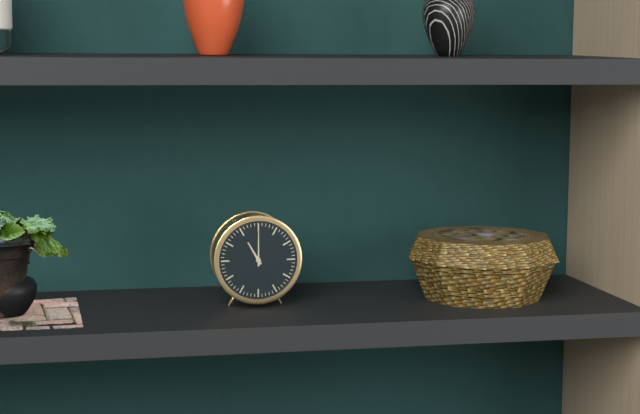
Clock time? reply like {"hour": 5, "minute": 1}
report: {"hour": 11, "minute": 0}
